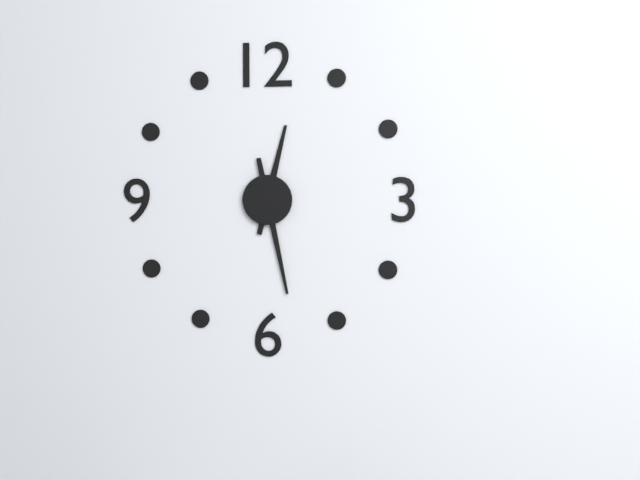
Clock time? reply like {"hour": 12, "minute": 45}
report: {"hour": 12, "minute": 28}
